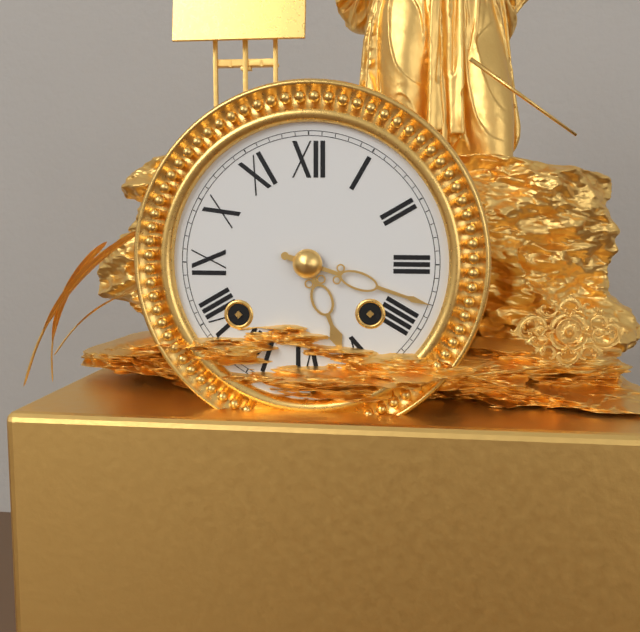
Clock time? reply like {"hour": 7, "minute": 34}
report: {"hour": 5, "minute": 18}
